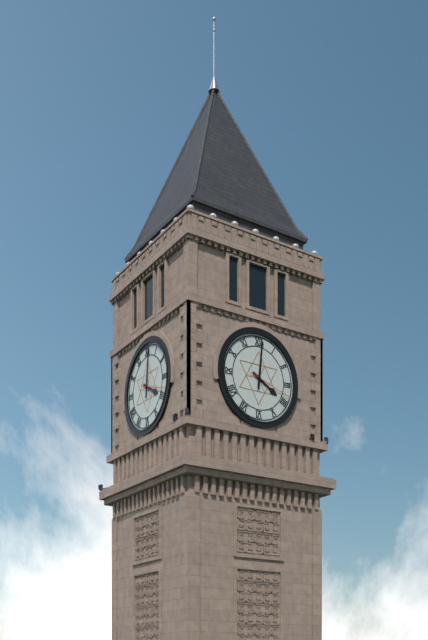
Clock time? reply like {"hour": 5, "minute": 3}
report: {"hour": 4, "minute": 1}
